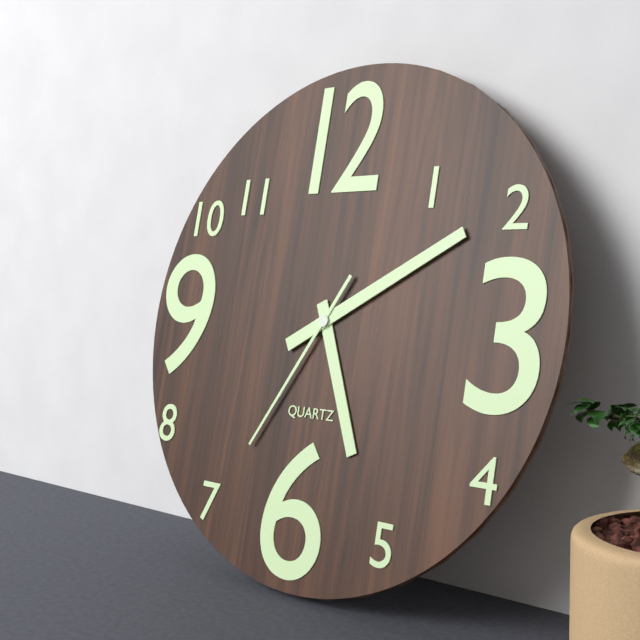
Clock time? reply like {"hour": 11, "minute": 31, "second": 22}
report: {"hour": 5, "minute": 10, "second": 35}
